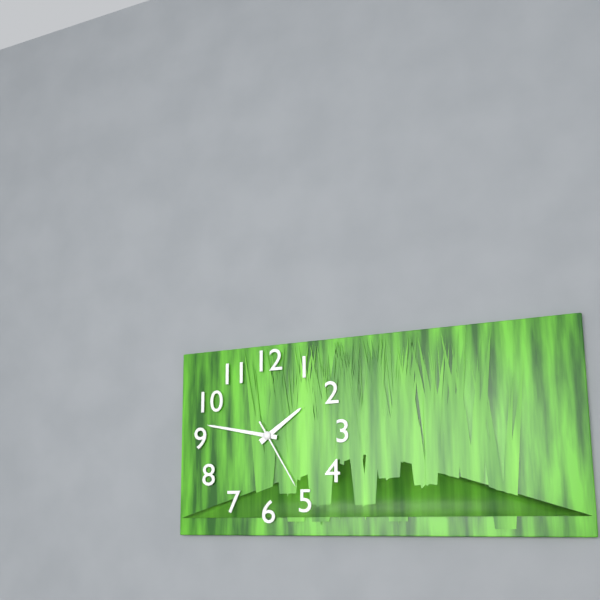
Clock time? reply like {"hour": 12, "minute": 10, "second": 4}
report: {"hour": 1, "minute": 47, "second": 25}
